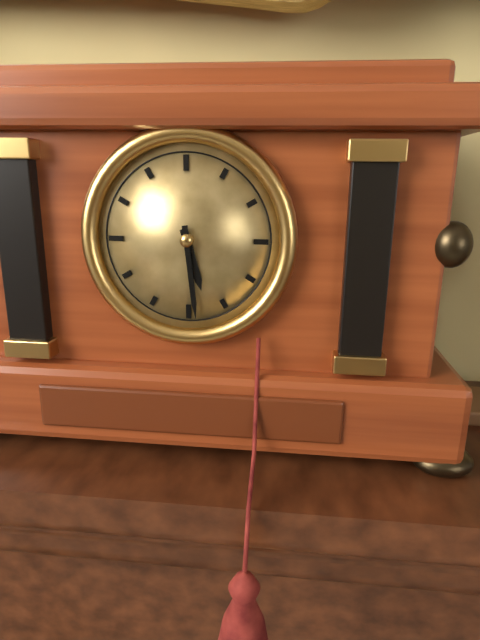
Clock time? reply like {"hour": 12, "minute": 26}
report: {"hour": 5, "minute": 29}
